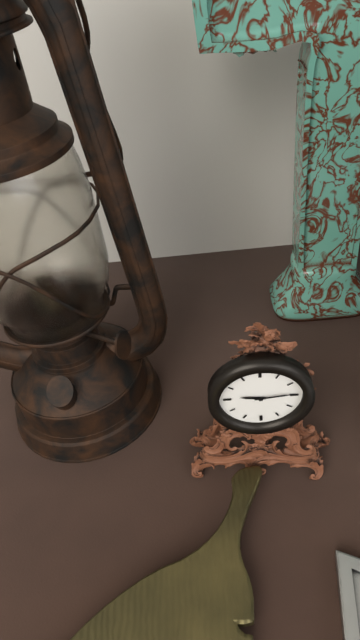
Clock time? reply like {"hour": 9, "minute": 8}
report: {"hour": 9, "minute": 14}
